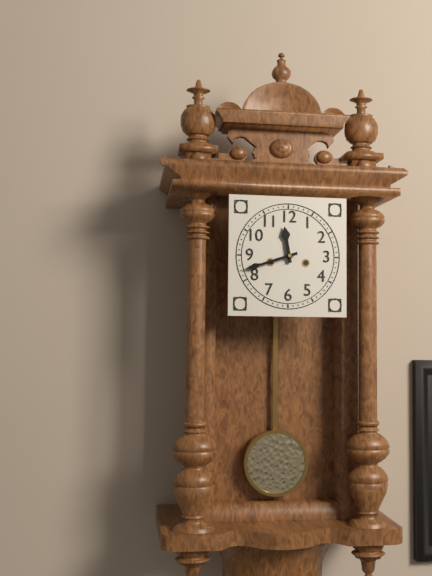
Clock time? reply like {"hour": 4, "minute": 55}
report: {"hour": 11, "minute": 42}
